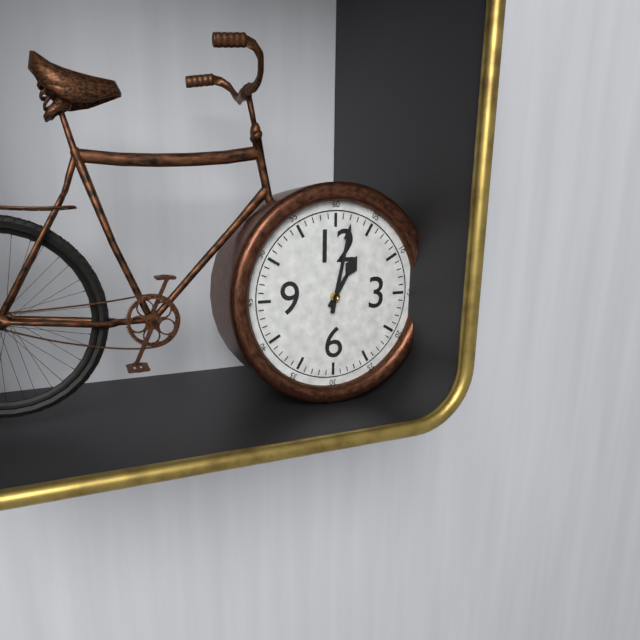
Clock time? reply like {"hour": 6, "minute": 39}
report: {"hour": 1, "minute": 2}
